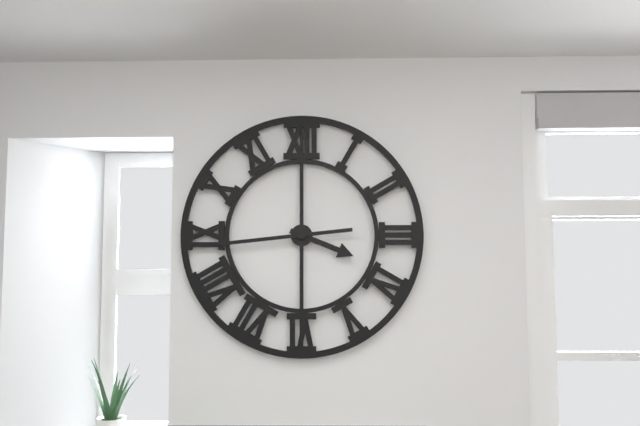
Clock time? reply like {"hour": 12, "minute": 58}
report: {"hour": 3, "minute": 44}
